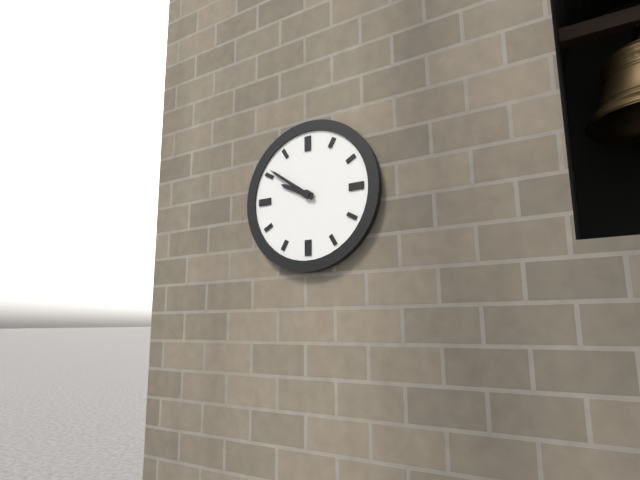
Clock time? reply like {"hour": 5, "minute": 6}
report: {"hour": 9, "minute": 51}
